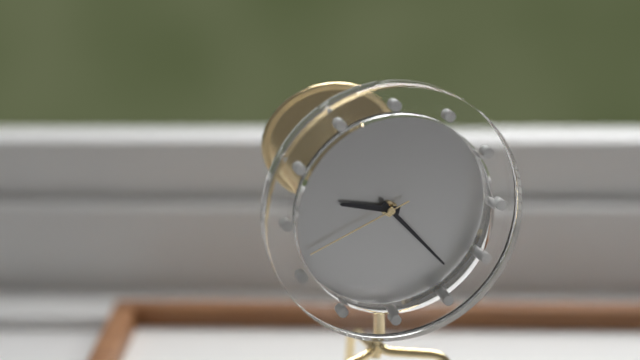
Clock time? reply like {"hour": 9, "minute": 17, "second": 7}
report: {"hour": 9, "minute": 23, "second": 41}
